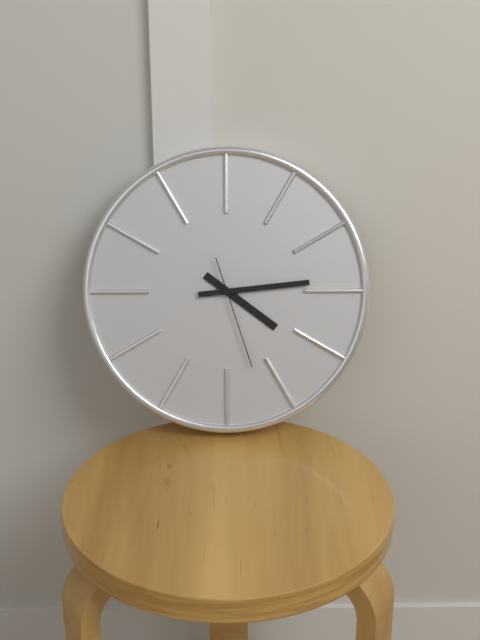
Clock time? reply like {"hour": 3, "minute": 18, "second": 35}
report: {"hour": 4, "minute": 14, "second": 27}
